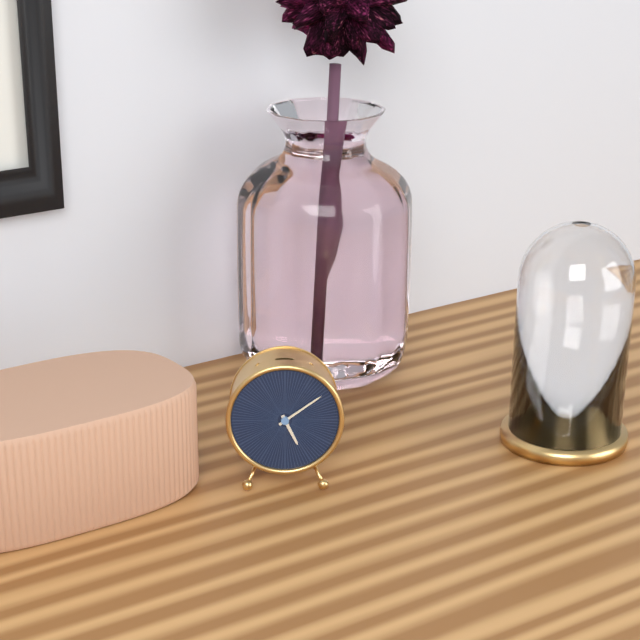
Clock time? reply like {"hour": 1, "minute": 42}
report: {"hour": 5, "minute": 9}
